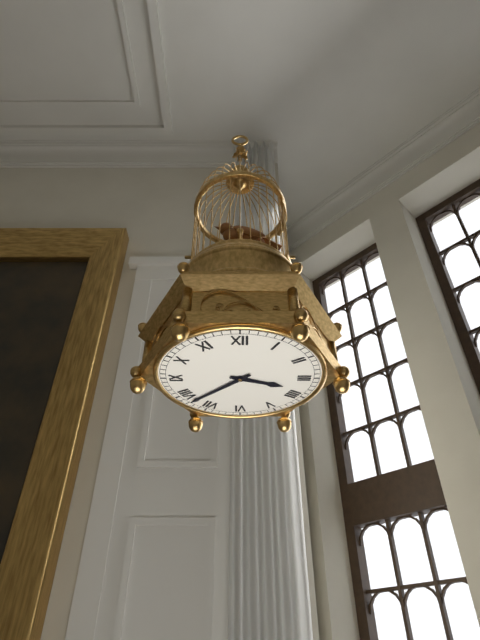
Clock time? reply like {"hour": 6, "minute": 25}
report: {"hour": 3, "minute": 38}
